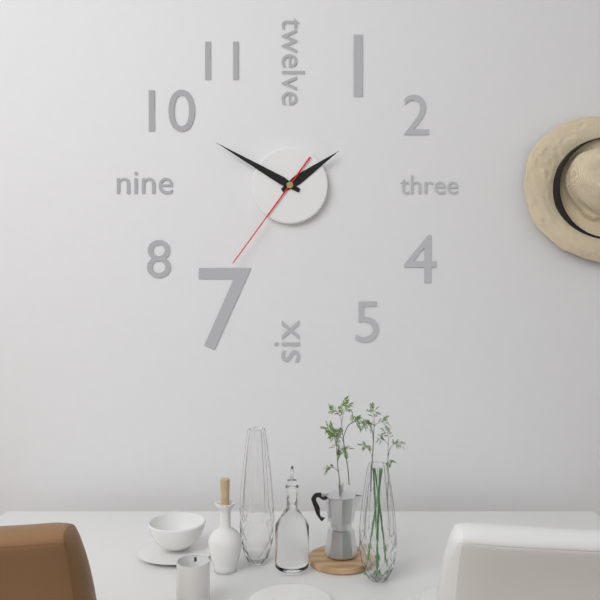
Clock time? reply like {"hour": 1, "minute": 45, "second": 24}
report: {"hour": 1, "minute": 50, "second": 36}
